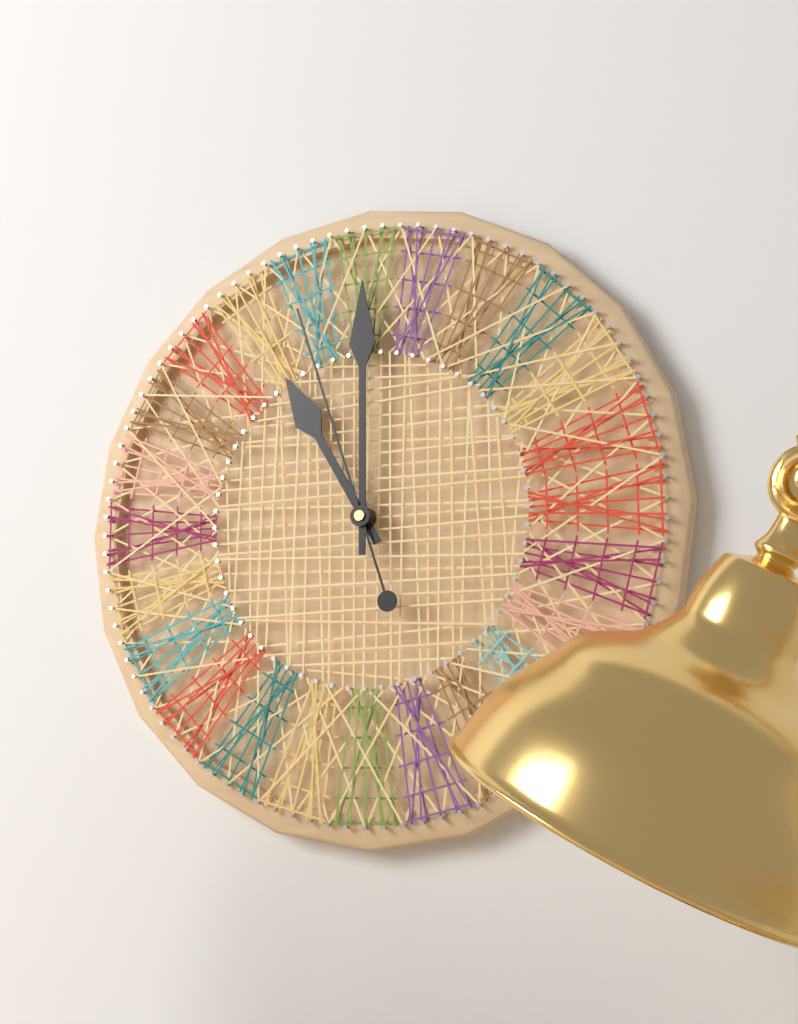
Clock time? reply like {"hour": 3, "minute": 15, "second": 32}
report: {"hour": 11, "minute": 0, "second": 57}
